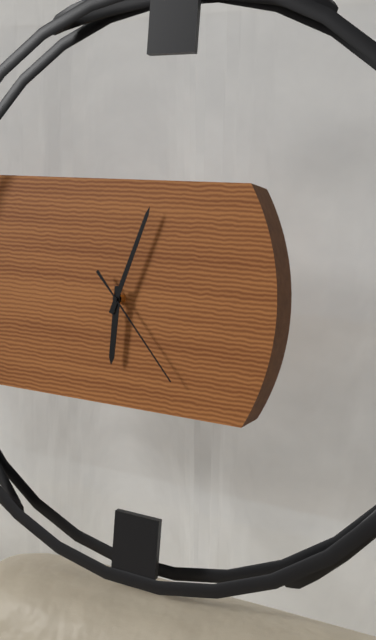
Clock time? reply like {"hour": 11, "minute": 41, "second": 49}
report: {"hour": 6, "minute": 3, "second": 23}
